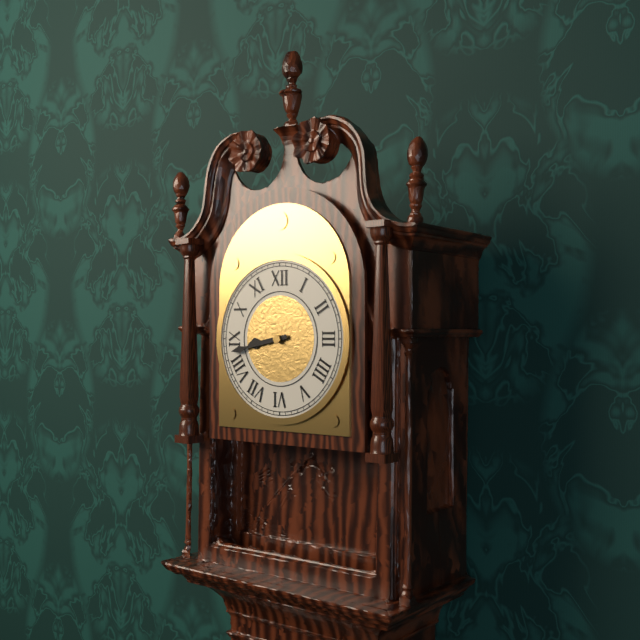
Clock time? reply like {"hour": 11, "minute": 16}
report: {"hour": 8, "minute": 43}
